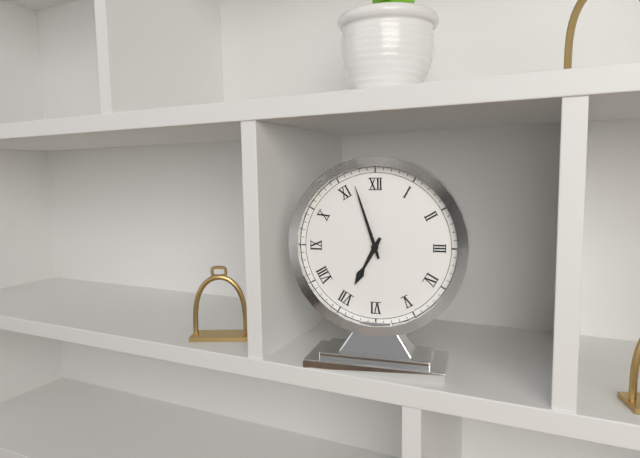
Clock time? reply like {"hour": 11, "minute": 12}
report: {"hour": 6, "minute": 57}
